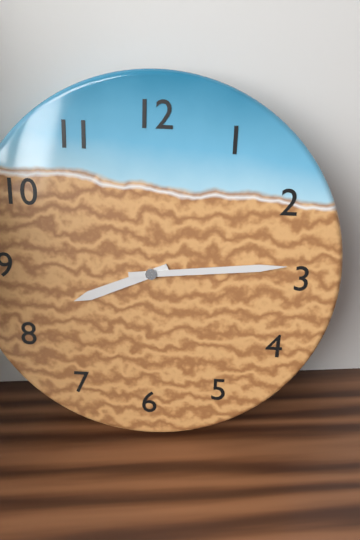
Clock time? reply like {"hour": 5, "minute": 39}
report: {"hour": 8, "minute": 14}
